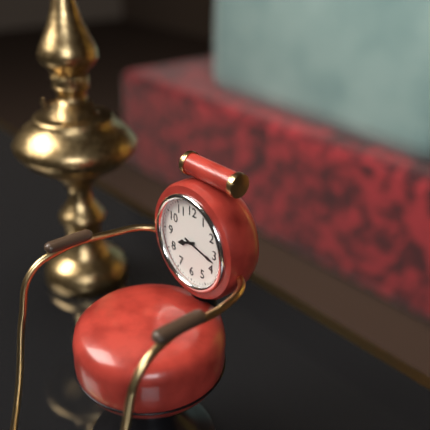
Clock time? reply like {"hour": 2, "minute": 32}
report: {"hour": 8, "minute": 17}
